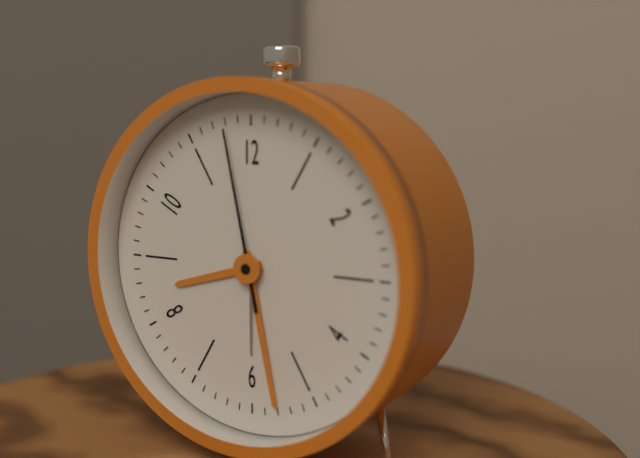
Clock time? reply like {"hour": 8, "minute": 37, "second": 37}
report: {"hour": 8, "minute": 28, "second": 58}
